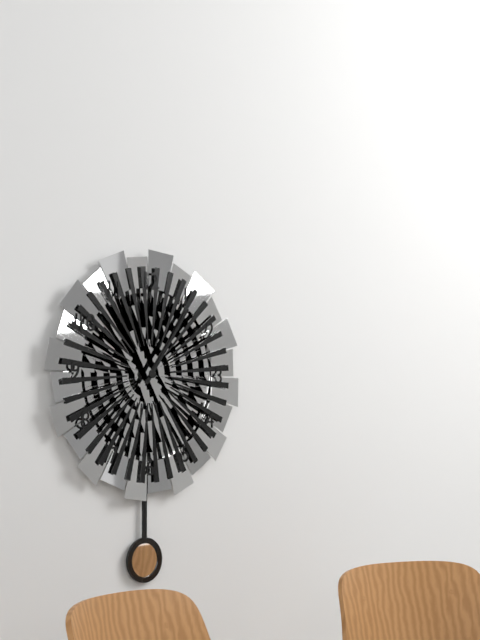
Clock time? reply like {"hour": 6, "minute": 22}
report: {"hour": 1, "minute": 6}
